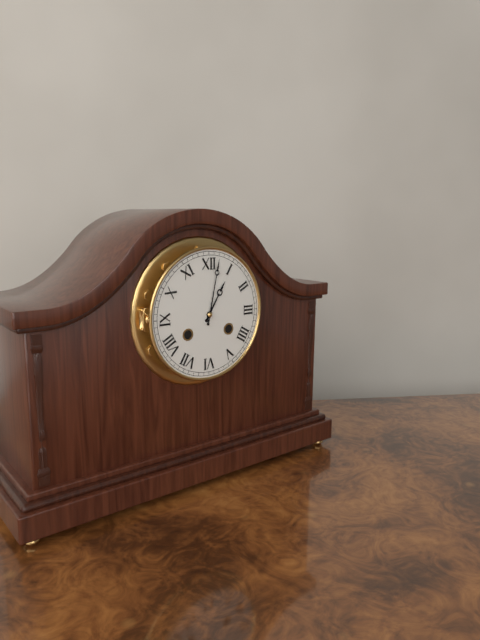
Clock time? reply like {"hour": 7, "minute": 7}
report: {"hour": 1, "minute": 2}
